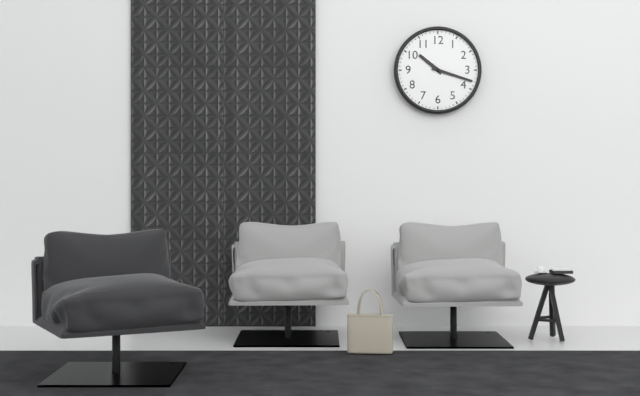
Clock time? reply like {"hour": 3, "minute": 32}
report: {"hour": 10, "minute": 18}
